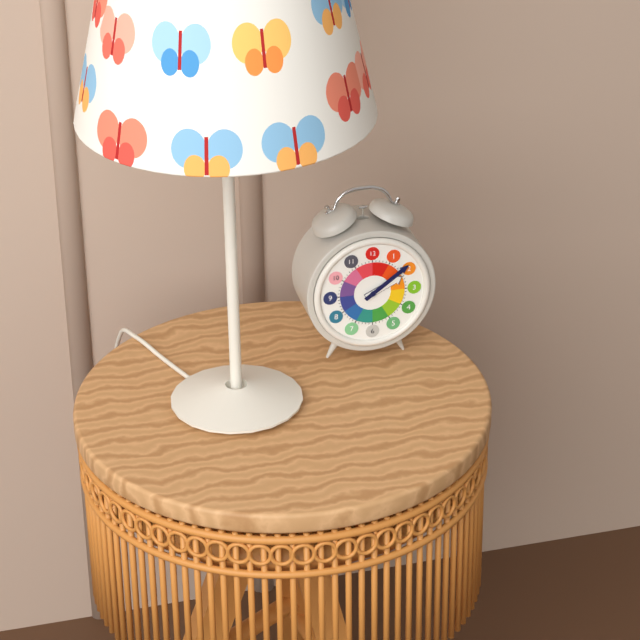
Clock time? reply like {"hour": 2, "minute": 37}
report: {"hour": 2, "minute": 9}
